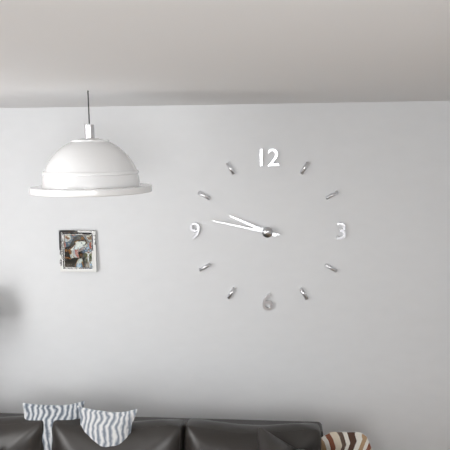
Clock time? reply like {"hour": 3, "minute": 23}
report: {"hour": 9, "minute": 47}
